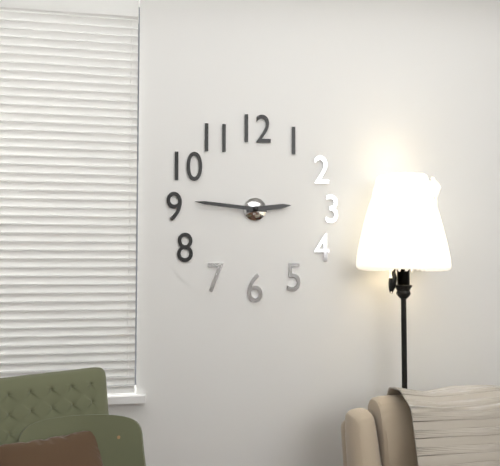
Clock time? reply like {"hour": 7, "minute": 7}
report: {"hour": 2, "minute": 46}
